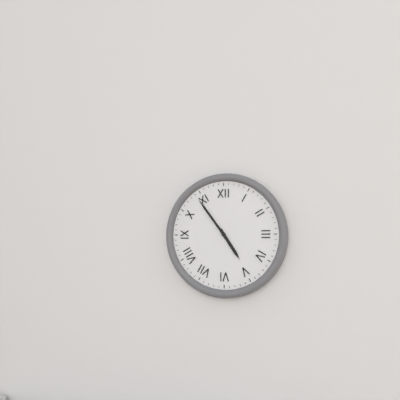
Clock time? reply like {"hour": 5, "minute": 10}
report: {"hour": 4, "minute": 54}
